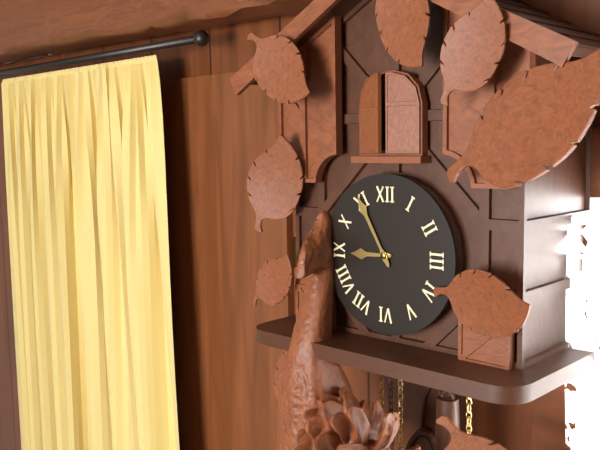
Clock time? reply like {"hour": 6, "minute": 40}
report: {"hour": 8, "minute": 55}
